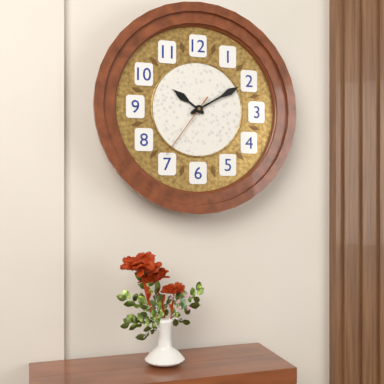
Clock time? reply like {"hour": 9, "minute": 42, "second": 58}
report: {"hour": 10, "minute": 10, "second": 36}
